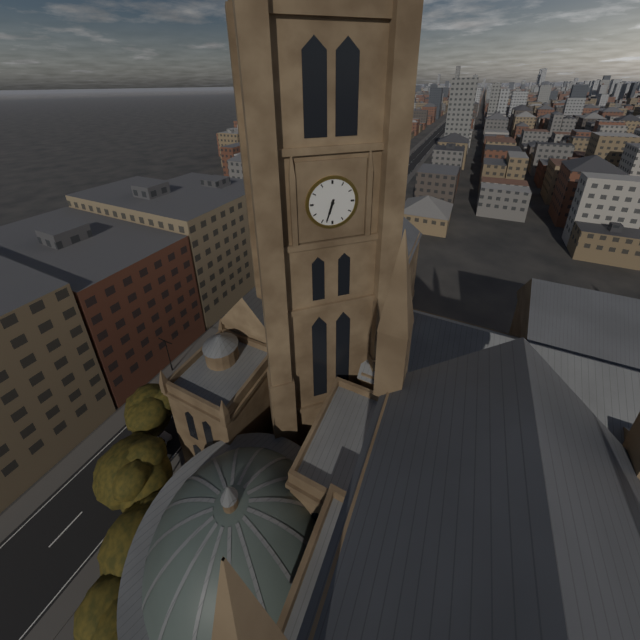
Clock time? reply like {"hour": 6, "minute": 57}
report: {"hour": 6, "minute": 33}
